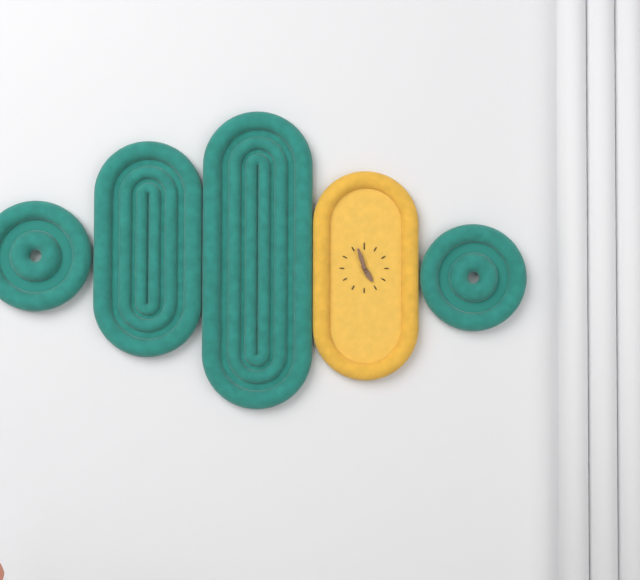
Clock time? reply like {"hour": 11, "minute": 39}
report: {"hour": 4, "minute": 57}
